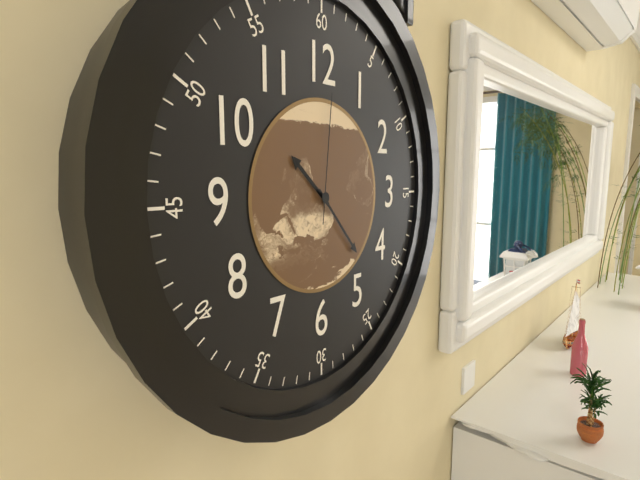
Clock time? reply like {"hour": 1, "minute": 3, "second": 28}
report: {"hour": 10, "minute": 23, "second": 1}
